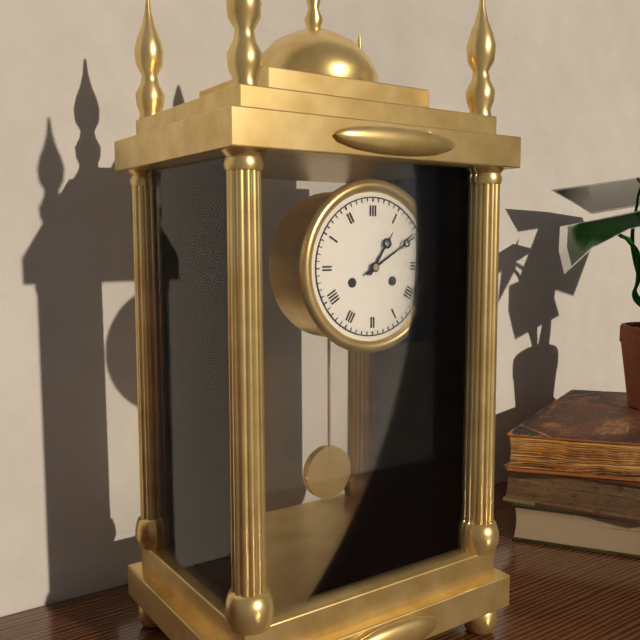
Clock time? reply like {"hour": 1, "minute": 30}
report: {"hour": 1, "minute": 10}
